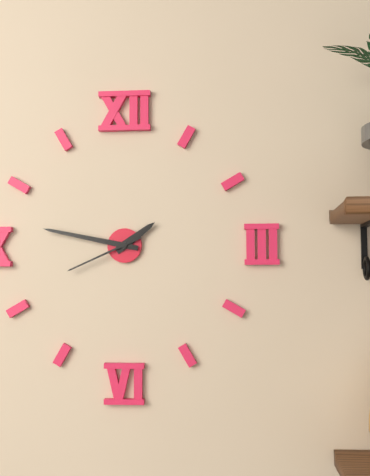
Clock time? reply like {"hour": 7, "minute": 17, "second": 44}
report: {"hour": 1, "minute": 47, "second": 41}
